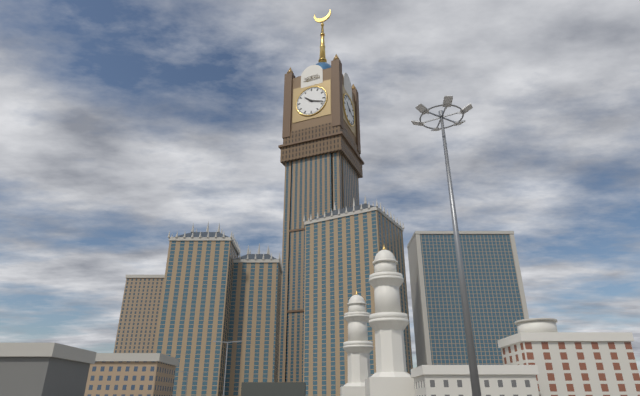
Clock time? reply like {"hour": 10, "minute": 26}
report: {"hour": 10, "minute": 18}
